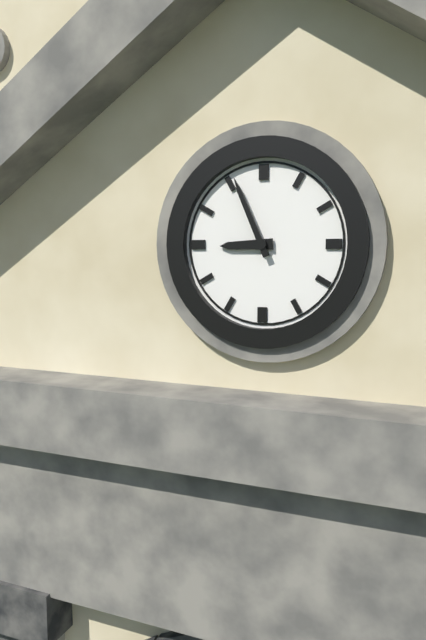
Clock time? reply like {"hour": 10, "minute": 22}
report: {"hour": 8, "minute": 56}
